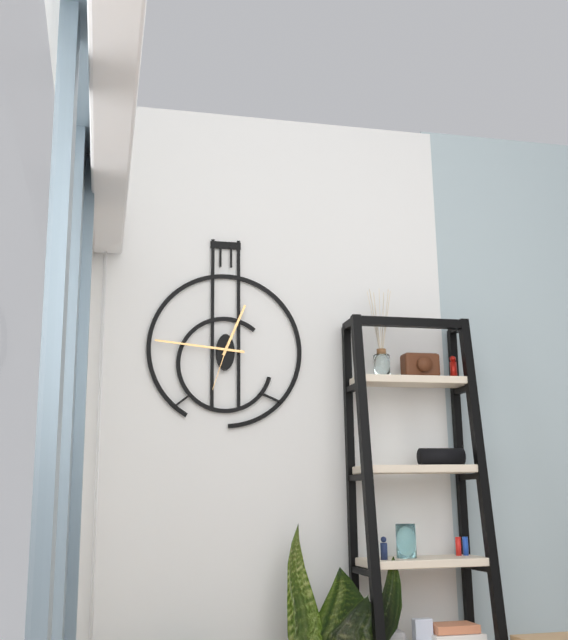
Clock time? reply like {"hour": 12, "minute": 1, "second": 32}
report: {"hour": 12, "minute": 46, "second": 33}
